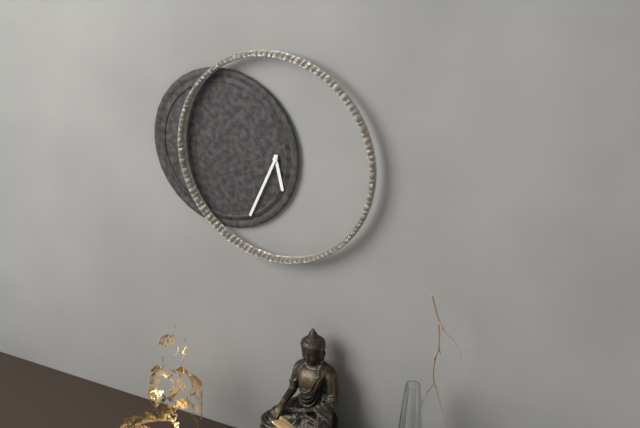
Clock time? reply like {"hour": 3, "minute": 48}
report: {"hour": 5, "minute": 34}
